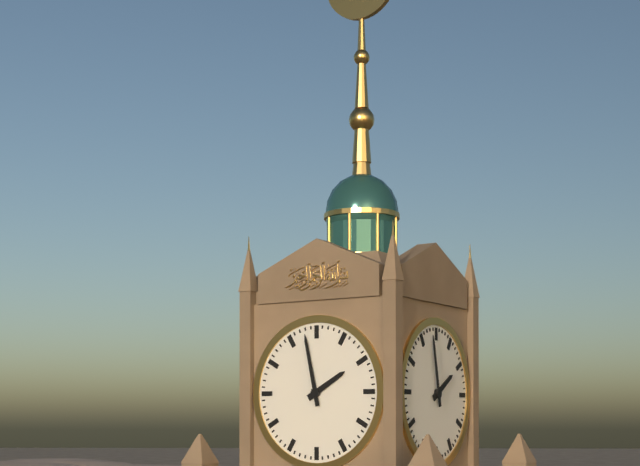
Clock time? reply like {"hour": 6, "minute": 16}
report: {"hour": 1, "minute": 58}
